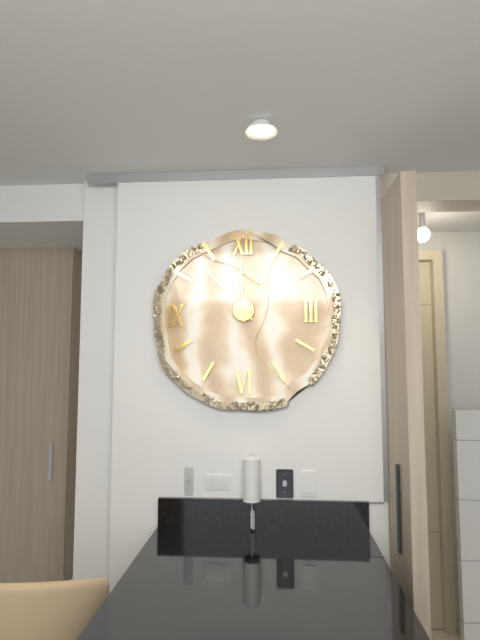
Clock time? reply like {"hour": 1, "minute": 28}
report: {"hour": 11, "minute": 53}
